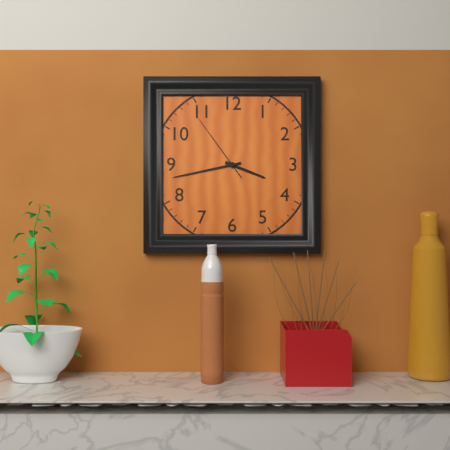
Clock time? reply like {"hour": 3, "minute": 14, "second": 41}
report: {"hour": 3, "minute": 43, "second": 54}
